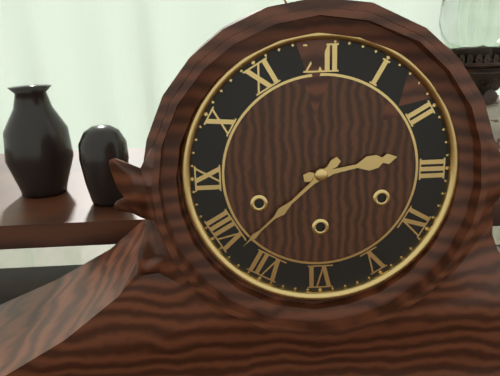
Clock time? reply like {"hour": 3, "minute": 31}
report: {"hour": 2, "minute": 38}
